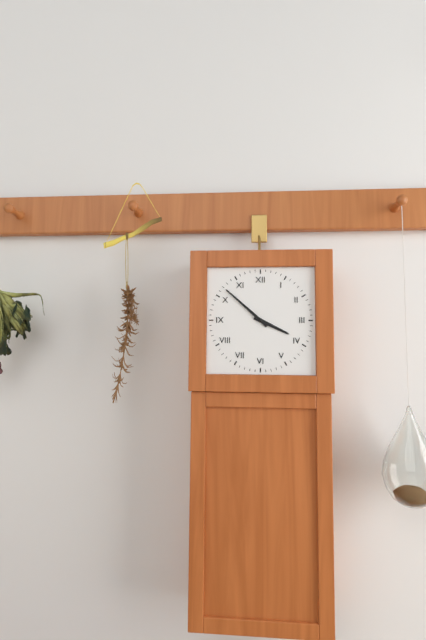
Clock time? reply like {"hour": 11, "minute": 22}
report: {"hour": 3, "minute": 52}
